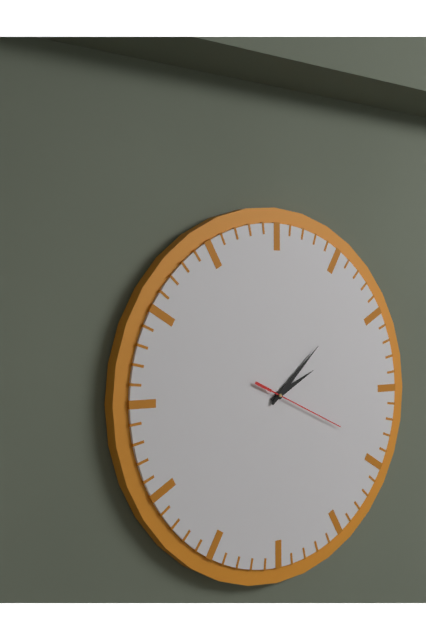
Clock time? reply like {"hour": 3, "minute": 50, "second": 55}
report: {"hour": 2, "minute": 8, "second": 19}
